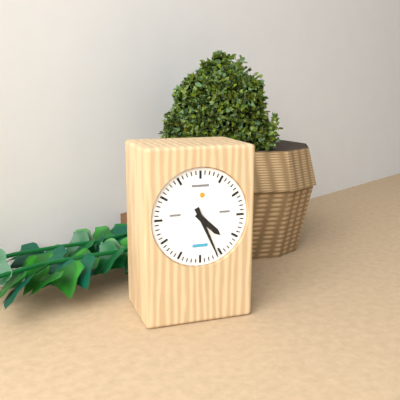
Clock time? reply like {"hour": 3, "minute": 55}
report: {"hour": 4, "minute": 26}
